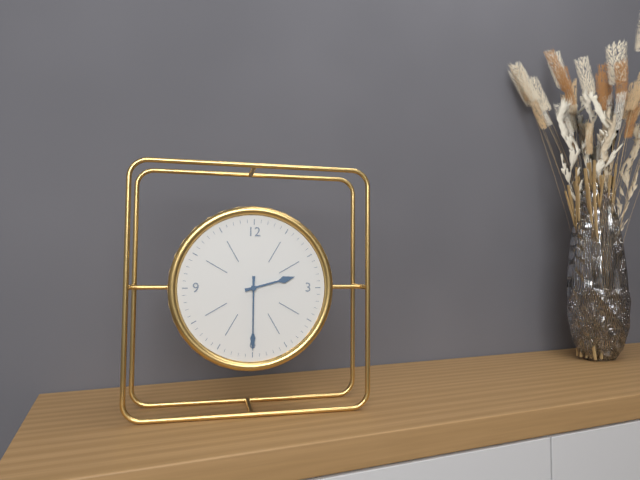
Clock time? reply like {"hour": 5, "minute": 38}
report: {"hour": 2, "minute": 30}
